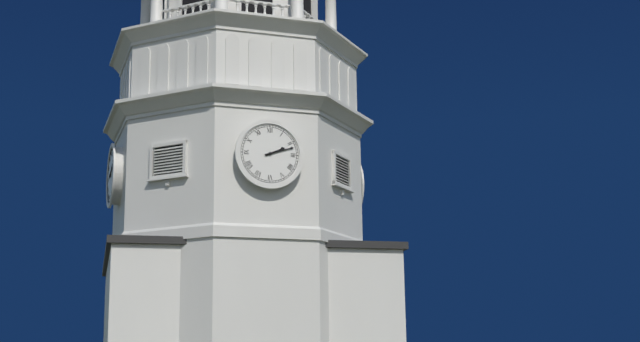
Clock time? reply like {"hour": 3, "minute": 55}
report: {"hour": 2, "minute": 12}
